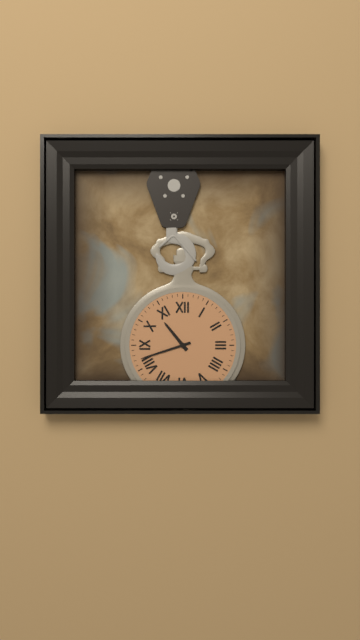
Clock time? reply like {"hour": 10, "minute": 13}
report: {"hour": 10, "minute": 42}
